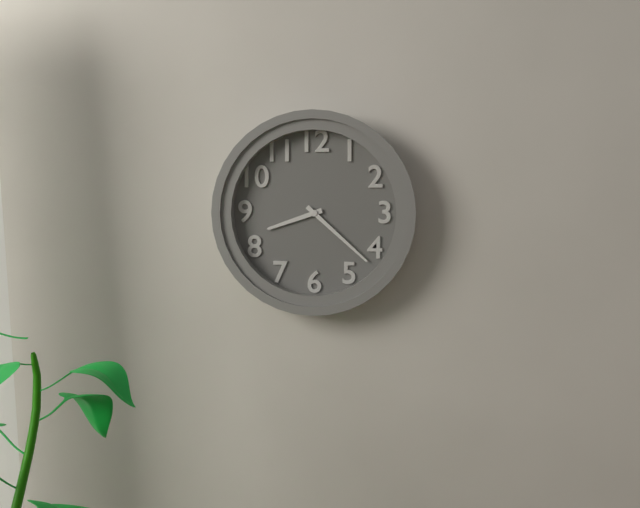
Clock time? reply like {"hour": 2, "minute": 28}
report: {"hour": 8, "minute": 22}
